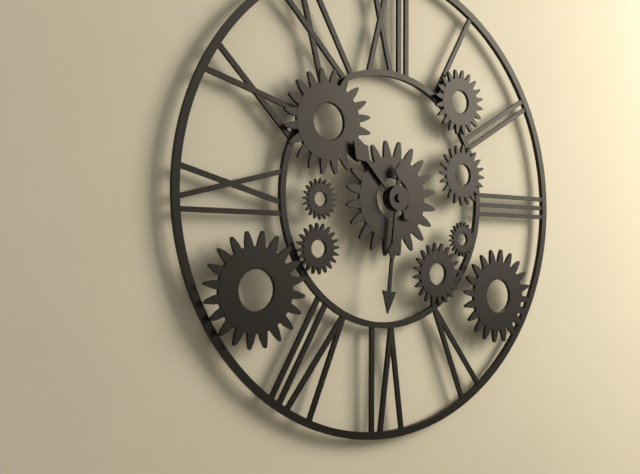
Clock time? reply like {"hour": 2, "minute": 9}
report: {"hour": 10, "minute": 31}
